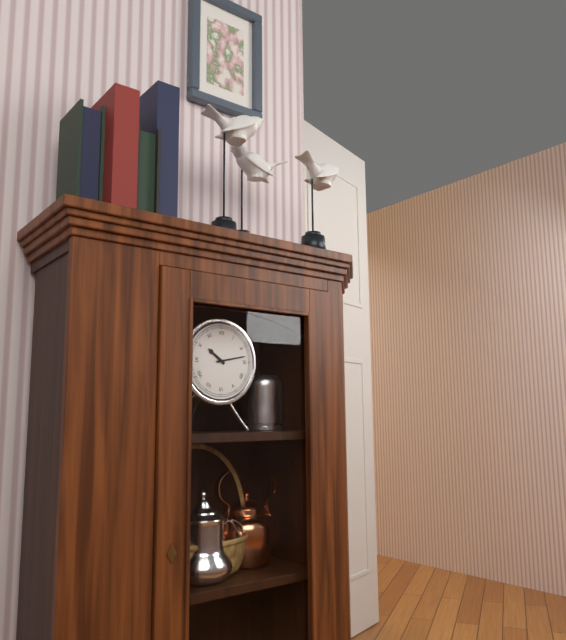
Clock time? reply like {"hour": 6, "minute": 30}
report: {"hour": 10, "minute": 13}
